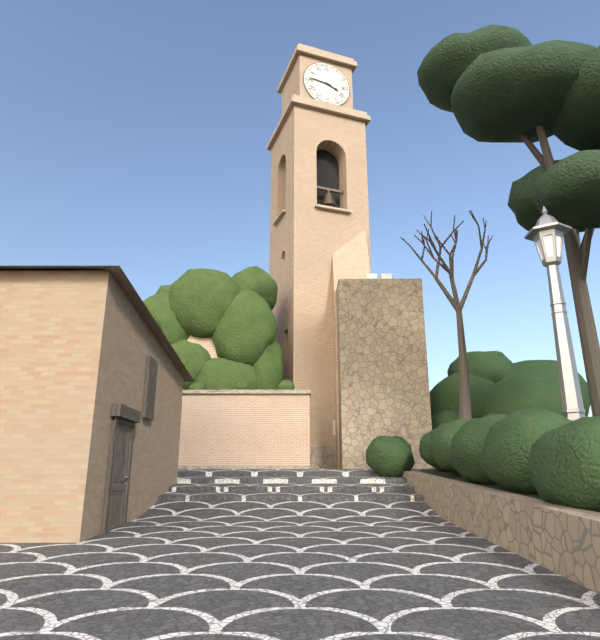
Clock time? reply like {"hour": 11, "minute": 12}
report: {"hour": 3, "minute": 46}
